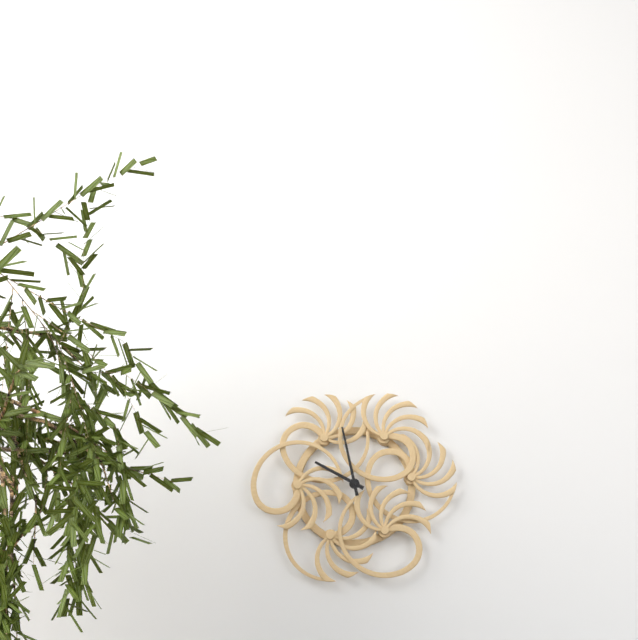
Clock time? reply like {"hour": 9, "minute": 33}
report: {"hour": 9, "minute": 58}
